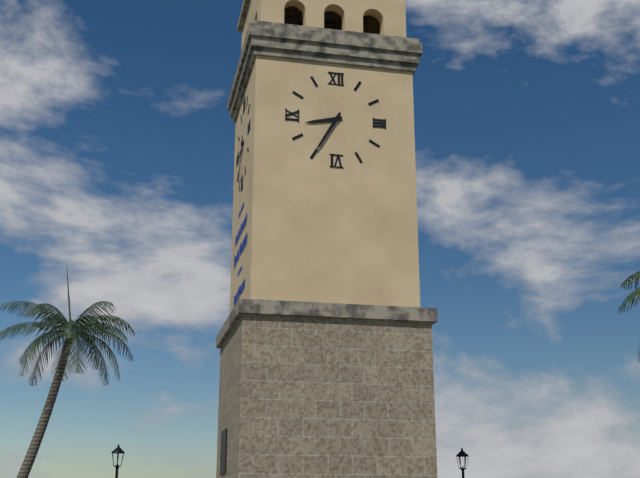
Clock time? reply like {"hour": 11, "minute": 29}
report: {"hour": 8, "minute": 35}
